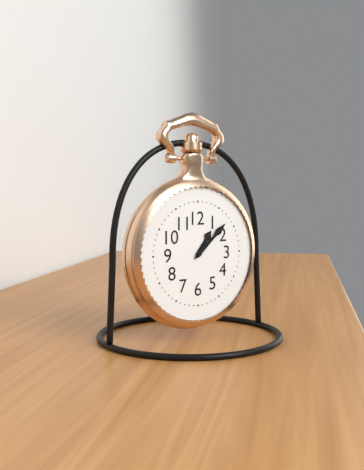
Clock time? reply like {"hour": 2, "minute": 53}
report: {"hour": 1, "minute": 8}
